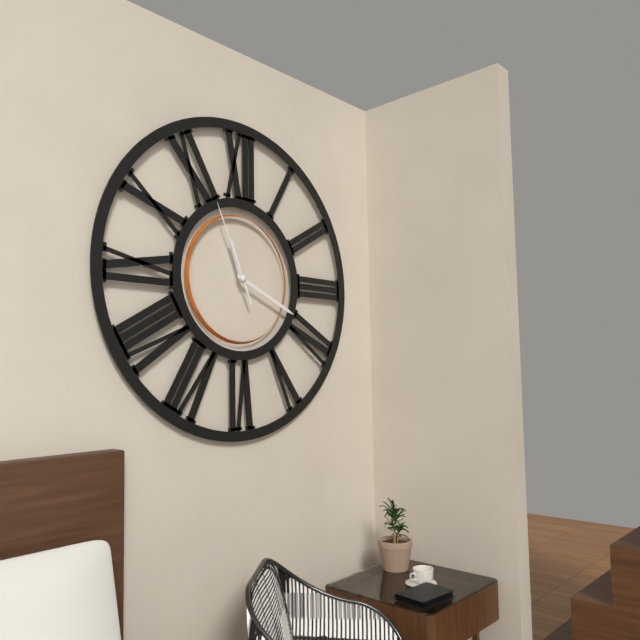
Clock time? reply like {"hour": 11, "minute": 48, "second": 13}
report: {"hour": 11, "minute": 19, "second": 56}
